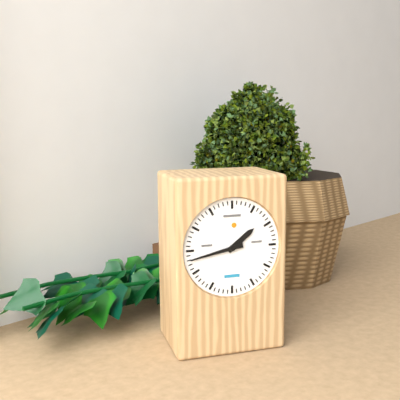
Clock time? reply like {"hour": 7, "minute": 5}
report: {"hour": 1, "minute": 43}
